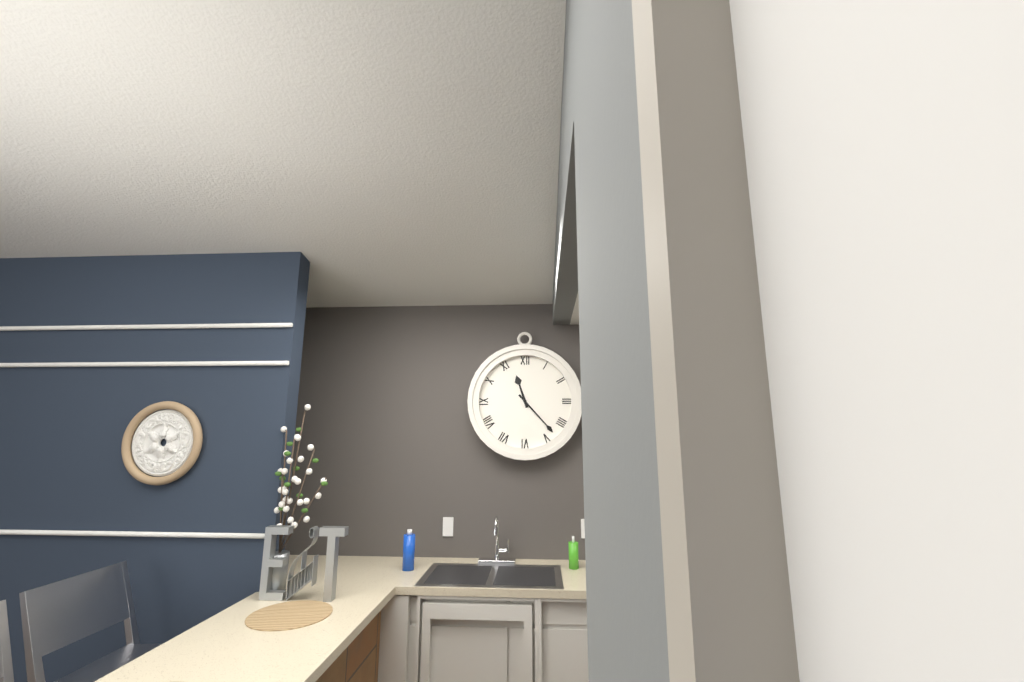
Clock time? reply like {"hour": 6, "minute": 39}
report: {"hour": 11, "minute": 23}
